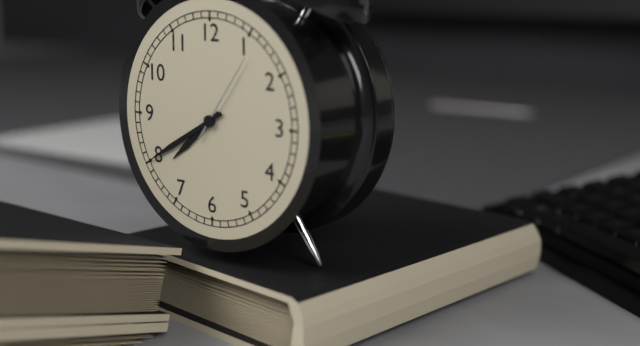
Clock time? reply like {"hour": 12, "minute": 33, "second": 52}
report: {"hour": 7, "minute": 40, "second": 6}
